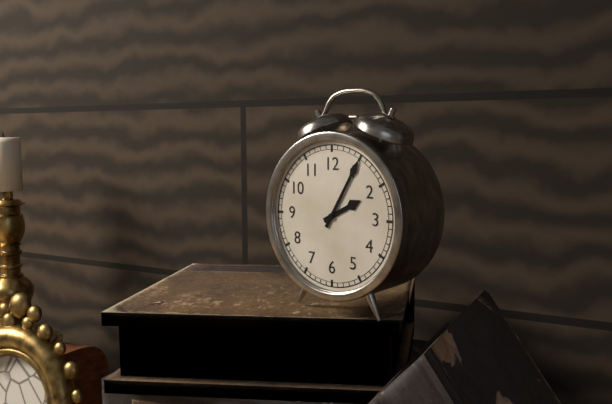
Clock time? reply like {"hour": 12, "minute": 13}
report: {"hour": 2, "minute": 5}
